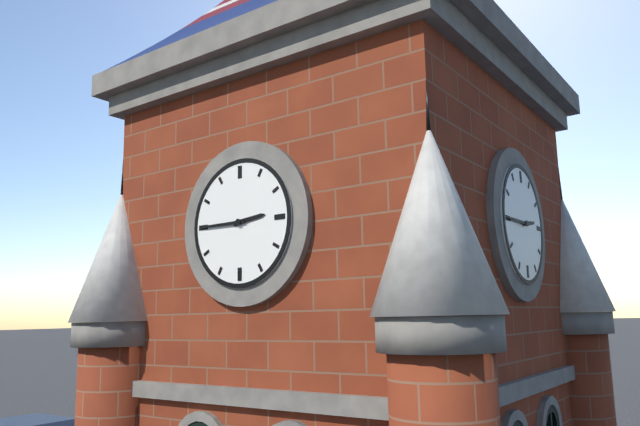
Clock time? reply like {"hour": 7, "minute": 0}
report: {"hour": 2, "minute": 45}
